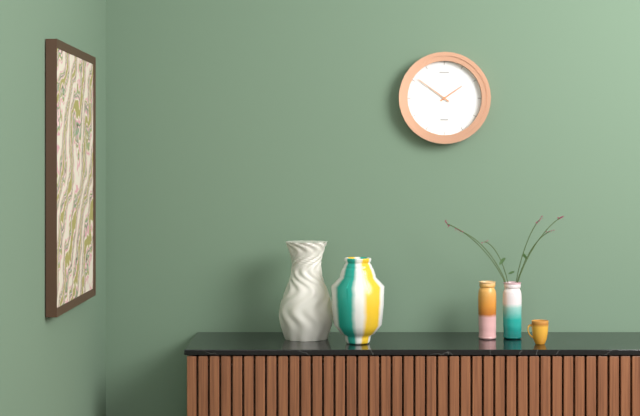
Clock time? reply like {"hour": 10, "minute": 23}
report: {"hour": 1, "minute": 51}
